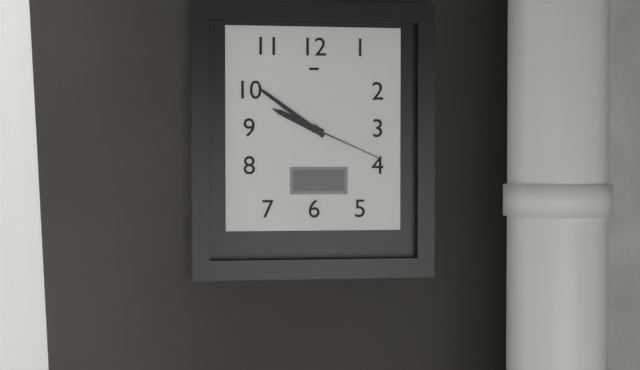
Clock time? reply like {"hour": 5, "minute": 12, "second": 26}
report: {"hour": 9, "minute": 51, "second": 19}
